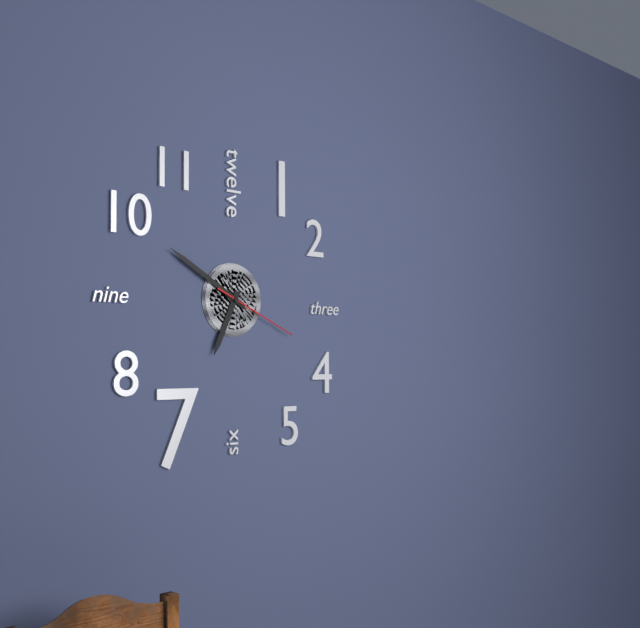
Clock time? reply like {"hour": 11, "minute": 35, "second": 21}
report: {"hour": 6, "minute": 50, "second": 19}
